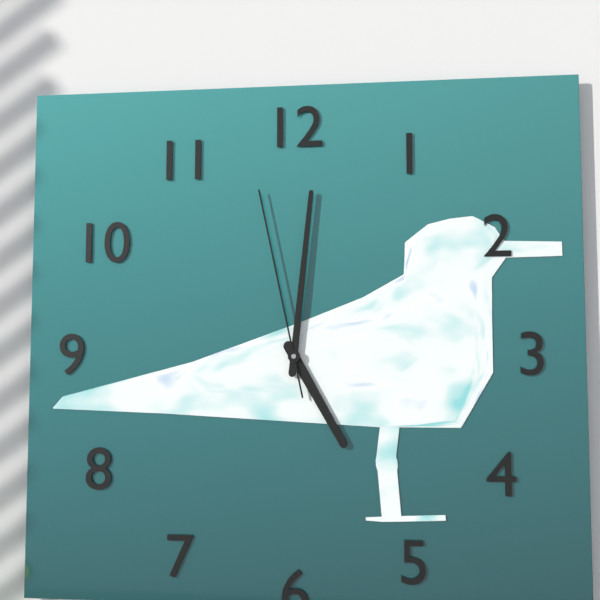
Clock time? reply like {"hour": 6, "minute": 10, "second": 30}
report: {"hour": 5, "minute": 1, "second": 58}
